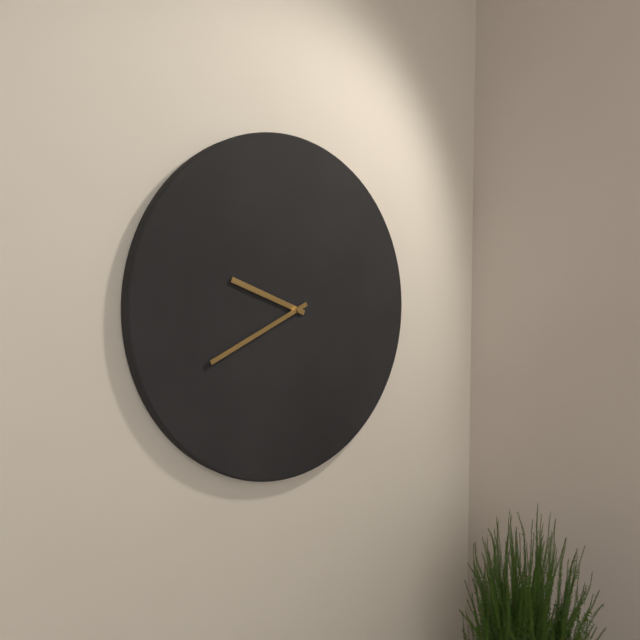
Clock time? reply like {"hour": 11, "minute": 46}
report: {"hour": 9, "minute": 41}
